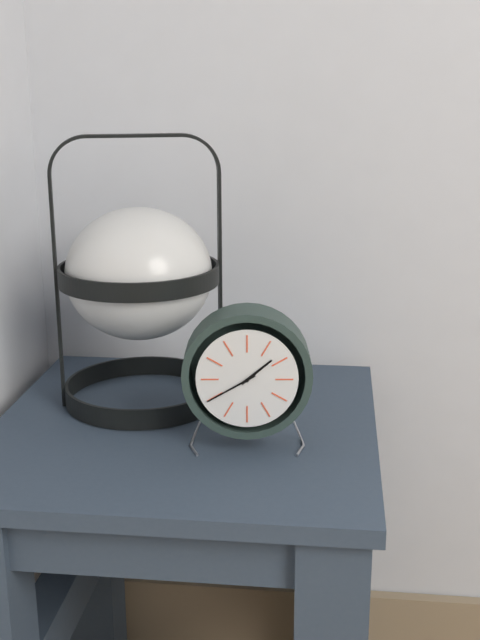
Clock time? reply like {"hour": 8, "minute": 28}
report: {"hour": 1, "minute": 40}
